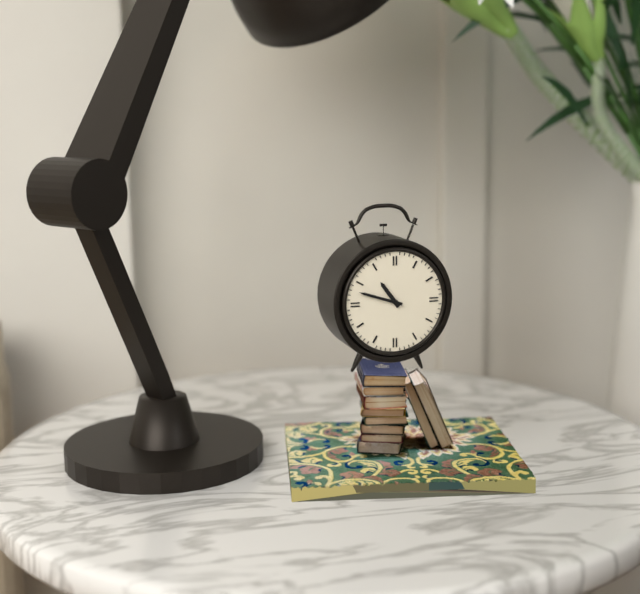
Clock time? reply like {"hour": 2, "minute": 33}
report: {"hour": 10, "minute": 48}
